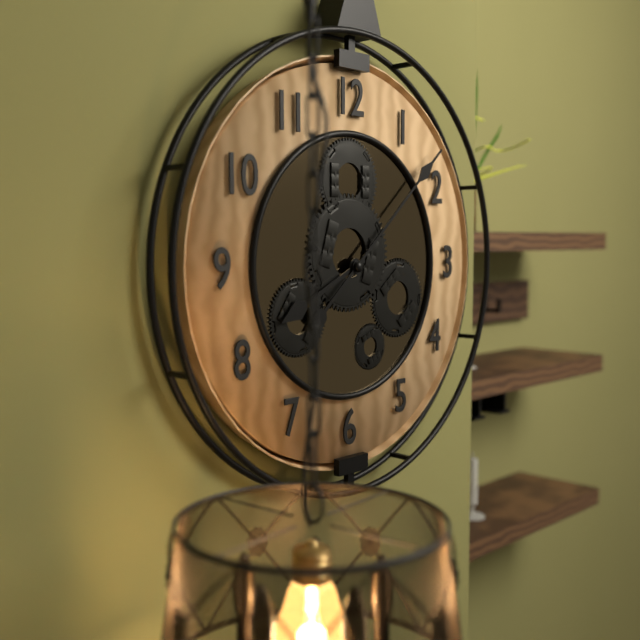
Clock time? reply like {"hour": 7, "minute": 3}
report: {"hour": 8, "minute": 8}
